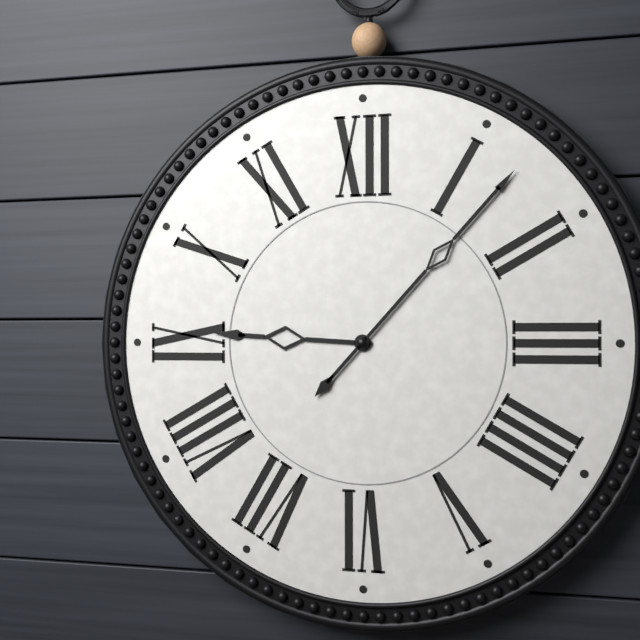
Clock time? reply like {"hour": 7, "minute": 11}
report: {"hour": 9, "minute": 7}
